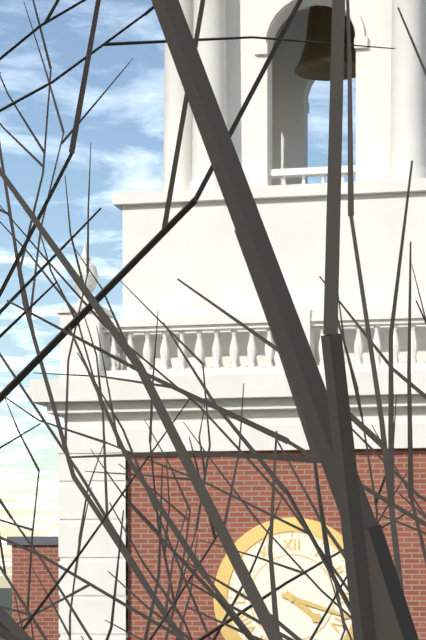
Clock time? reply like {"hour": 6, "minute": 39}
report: {"hour": 4, "minute": 18}
